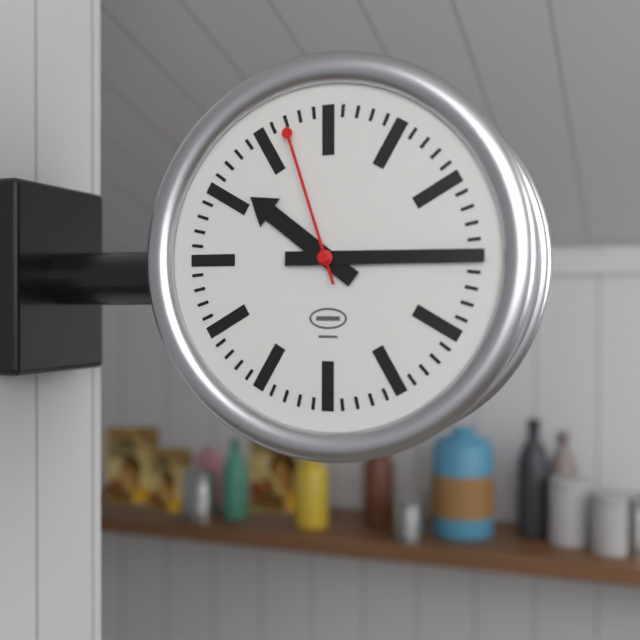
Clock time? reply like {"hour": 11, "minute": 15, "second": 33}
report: {"hour": 10, "minute": 15, "second": 57}
